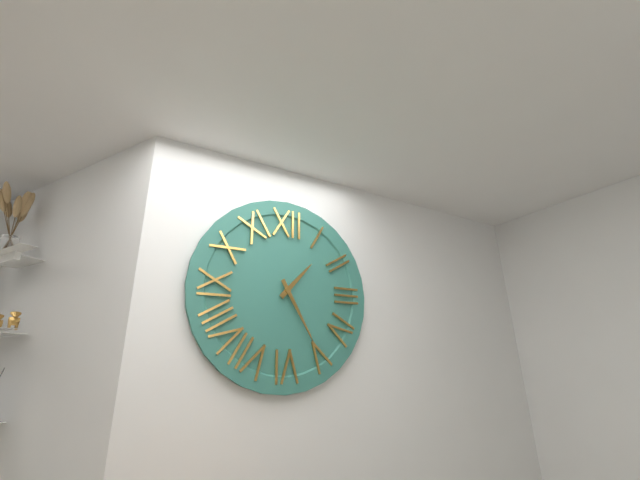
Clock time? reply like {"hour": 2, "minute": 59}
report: {"hour": 1, "minute": 25}
